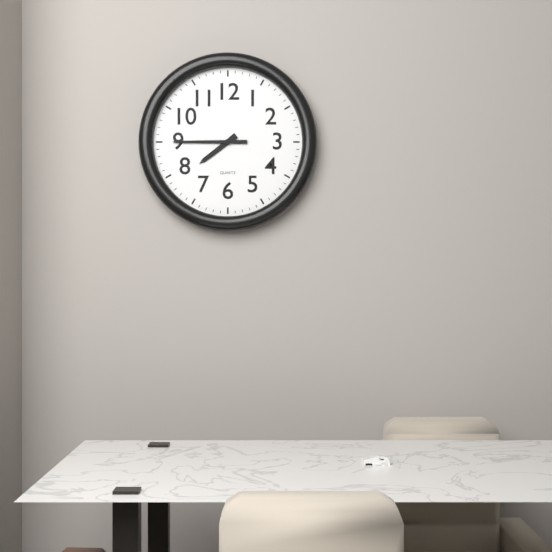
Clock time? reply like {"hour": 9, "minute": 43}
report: {"hour": 7, "minute": 45}
